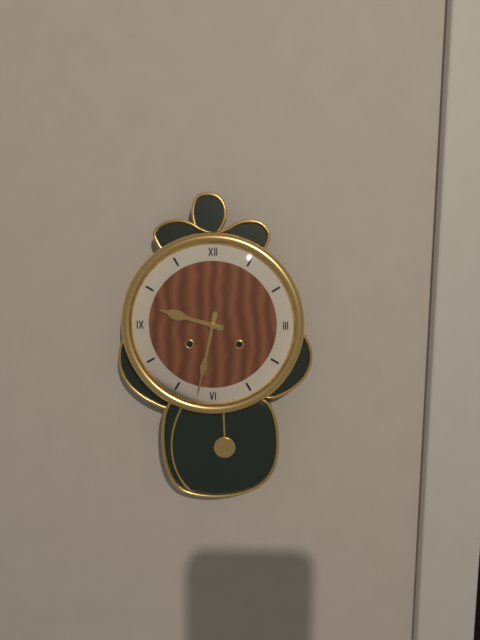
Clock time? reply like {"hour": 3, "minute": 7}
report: {"hour": 9, "minute": 32}
